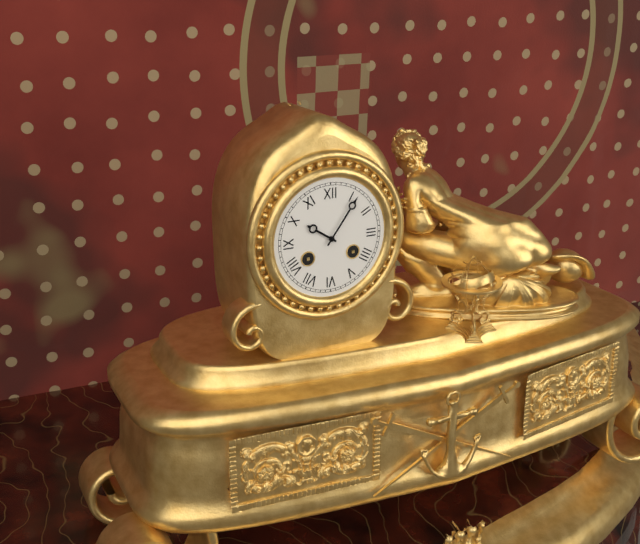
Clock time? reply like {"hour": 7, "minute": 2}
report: {"hour": 10, "minute": 6}
